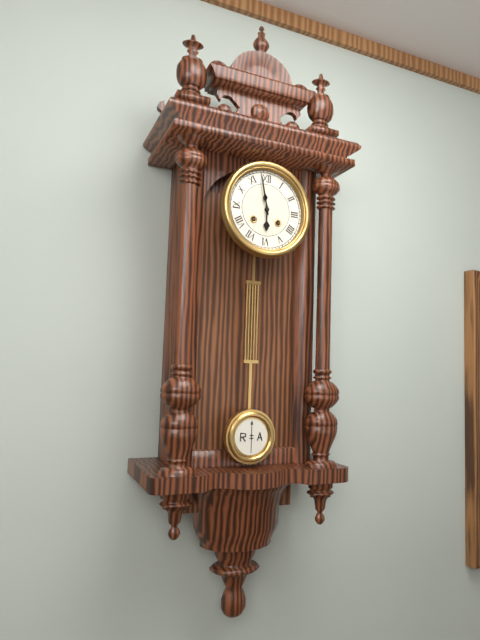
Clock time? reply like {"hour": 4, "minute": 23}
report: {"hour": 5, "minute": 58}
